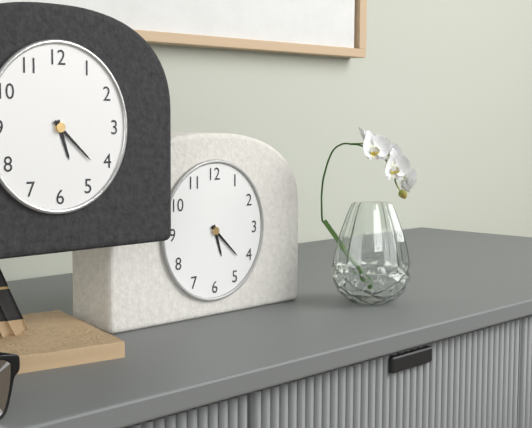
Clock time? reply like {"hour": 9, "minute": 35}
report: {"hour": 5, "minute": 22}
